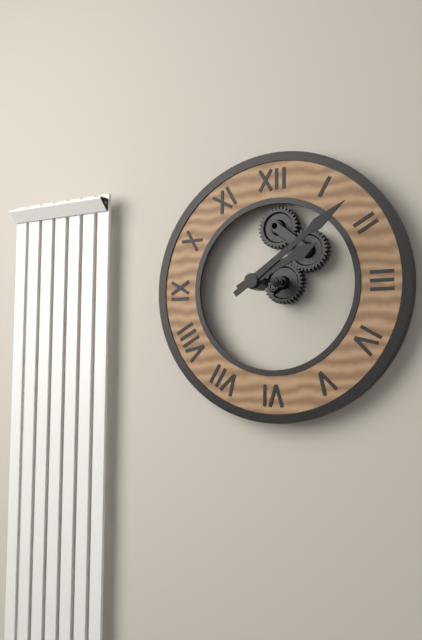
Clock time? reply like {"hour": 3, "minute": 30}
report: {"hour": 2, "minute": 9}
